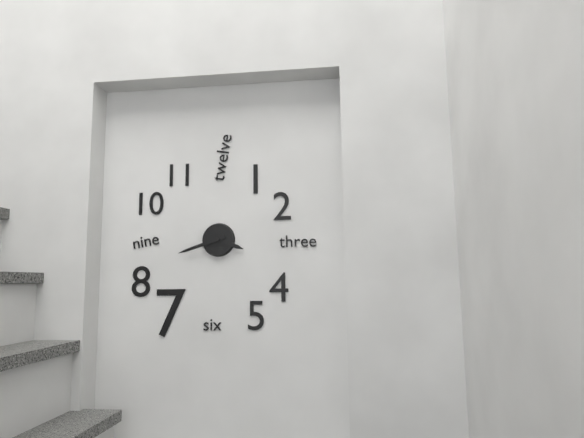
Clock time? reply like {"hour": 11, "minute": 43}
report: {"hour": 3, "minute": 42}
